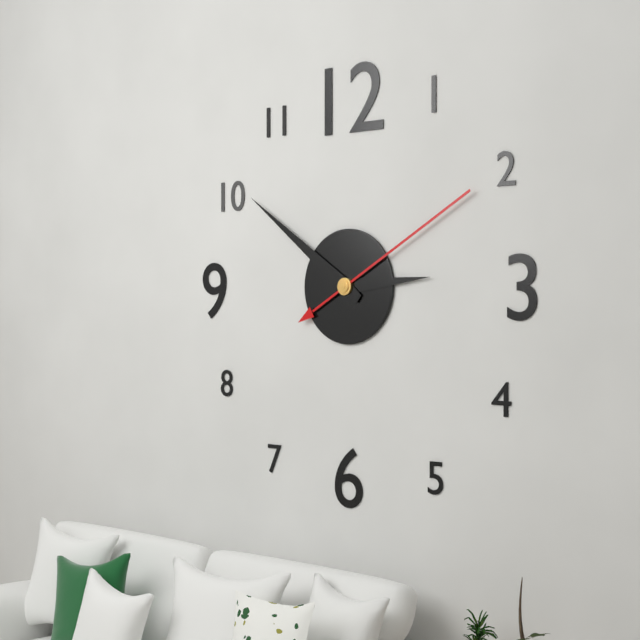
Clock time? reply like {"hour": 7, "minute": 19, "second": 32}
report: {"hour": 2, "minute": 51, "second": 10}
